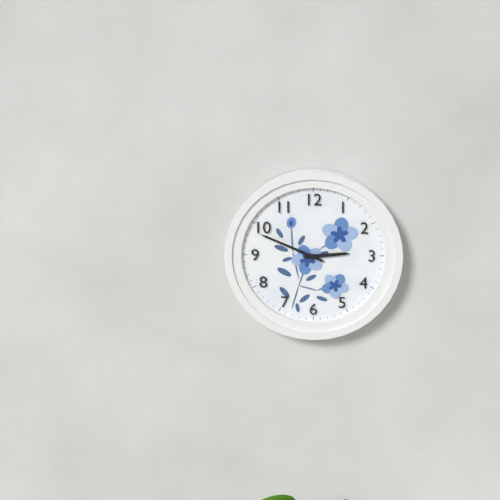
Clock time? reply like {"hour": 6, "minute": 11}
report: {"hour": 2, "minute": 49}
